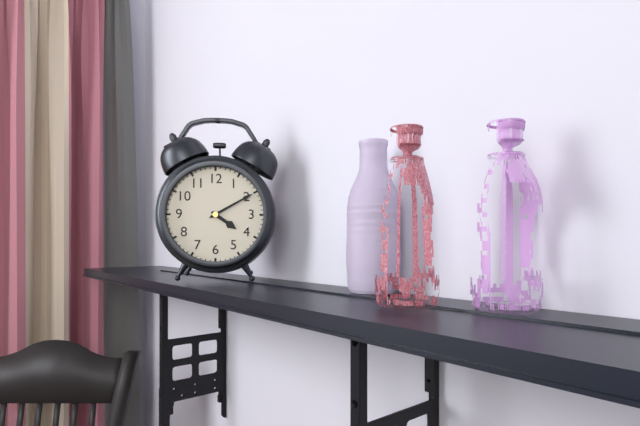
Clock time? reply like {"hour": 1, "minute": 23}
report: {"hour": 4, "minute": 10}
